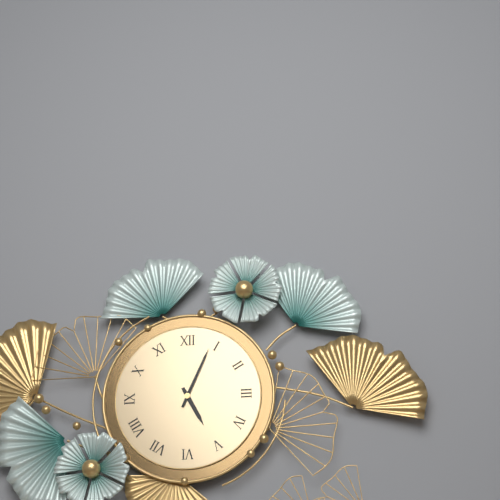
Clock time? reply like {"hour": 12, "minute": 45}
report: {"hour": 5, "minute": 4}
